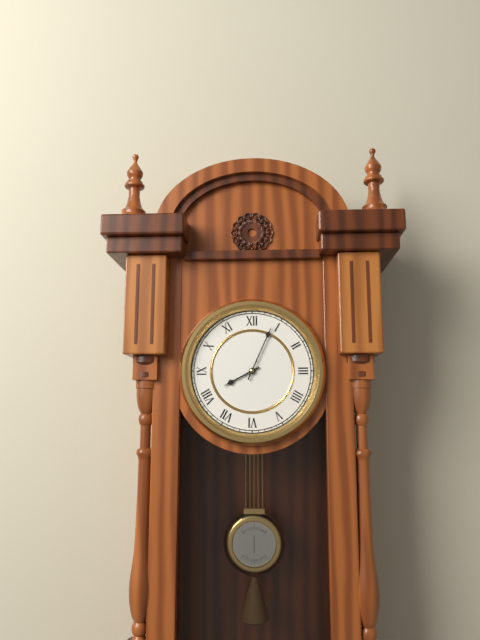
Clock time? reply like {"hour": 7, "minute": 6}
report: {"hour": 8, "minute": 4}
